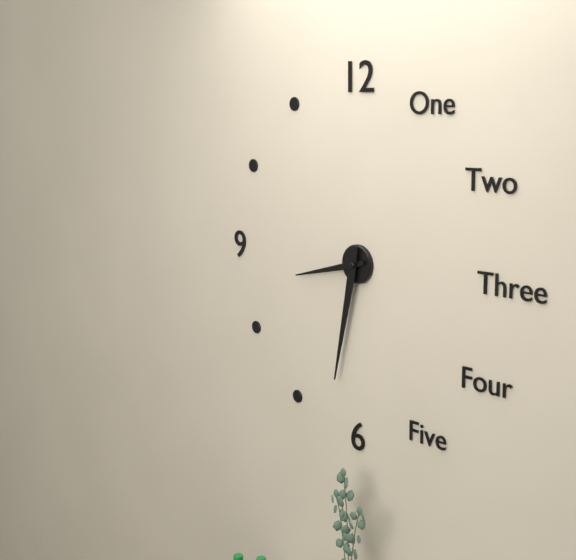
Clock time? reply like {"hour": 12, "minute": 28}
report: {"hour": 8, "minute": 32}
